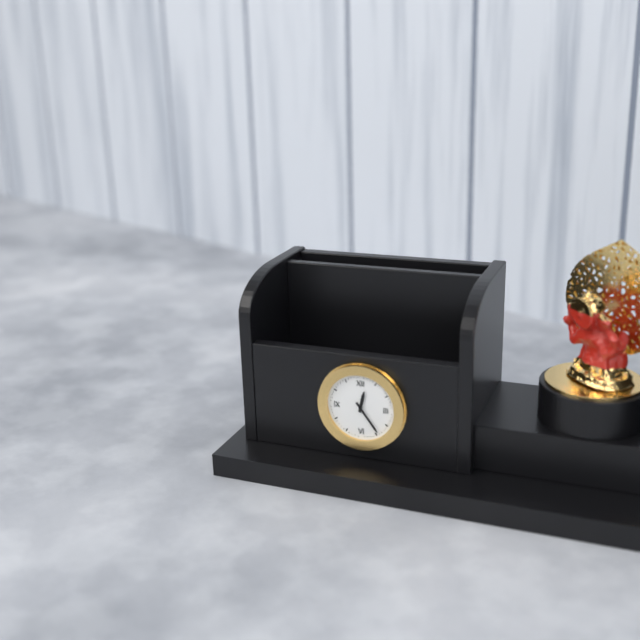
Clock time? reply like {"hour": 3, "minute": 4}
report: {"hour": 12, "minute": 24}
